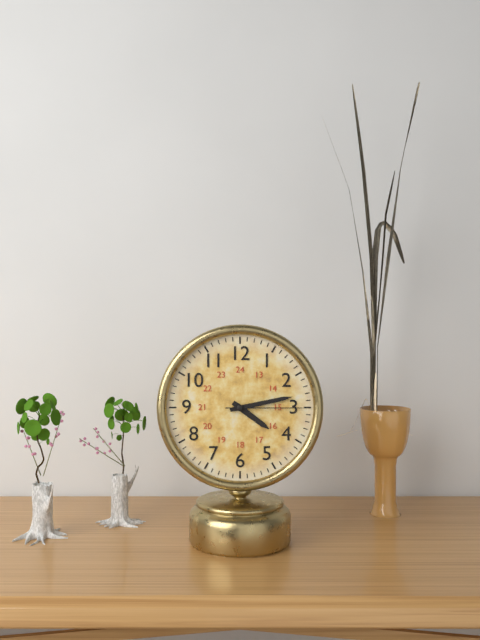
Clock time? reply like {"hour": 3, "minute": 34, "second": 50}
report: {"hour": 4, "minute": 13, "second": 15}
